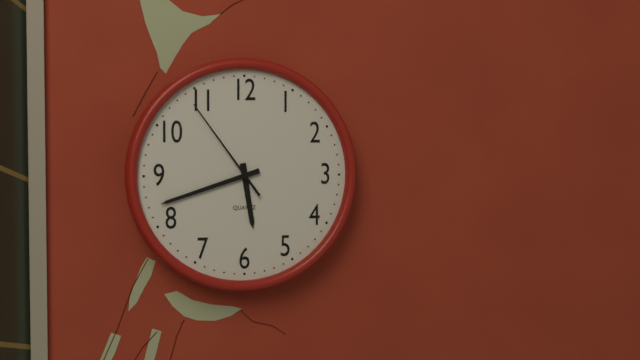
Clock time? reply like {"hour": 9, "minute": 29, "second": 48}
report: {"hour": 5, "minute": 42, "second": 54}
